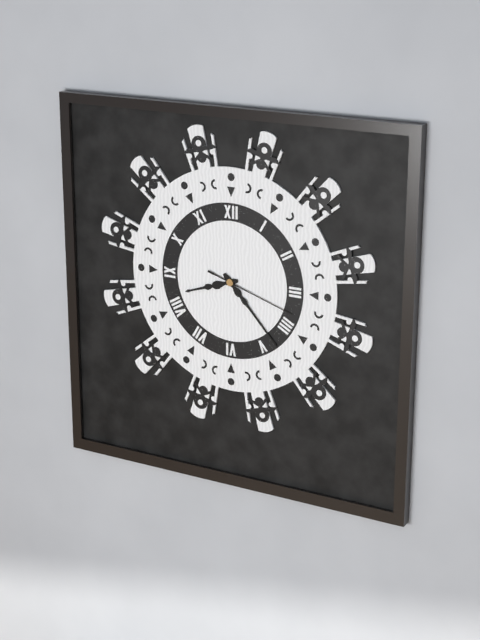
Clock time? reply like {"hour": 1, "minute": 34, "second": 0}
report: {"hour": 8, "minute": 23, "second": 18}
